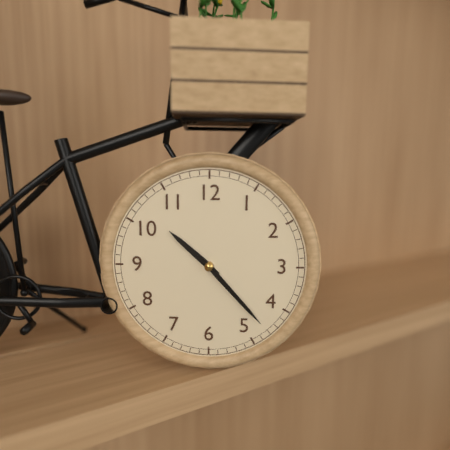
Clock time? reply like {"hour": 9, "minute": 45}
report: {"hour": 10, "minute": 23}
